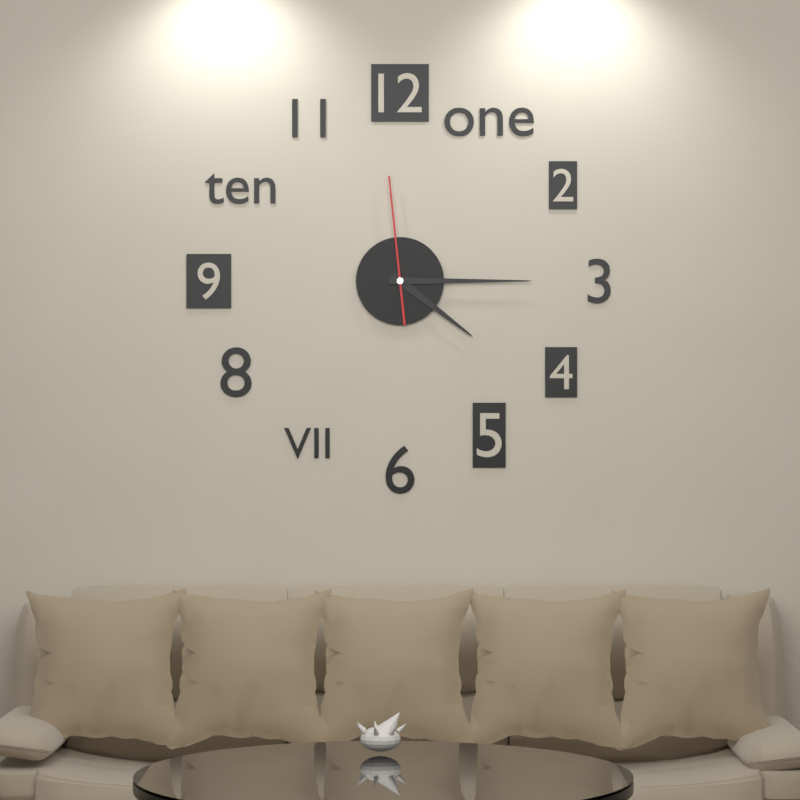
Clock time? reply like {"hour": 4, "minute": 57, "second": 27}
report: {"hour": 4, "minute": 15, "second": 59}
